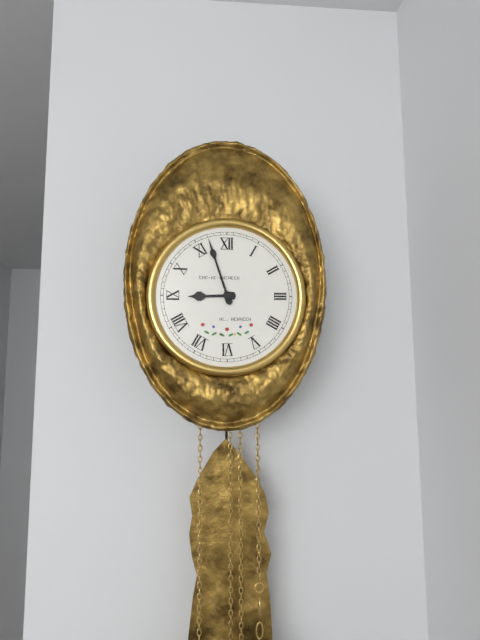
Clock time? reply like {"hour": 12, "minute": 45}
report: {"hour": 8, "minute": 57}
